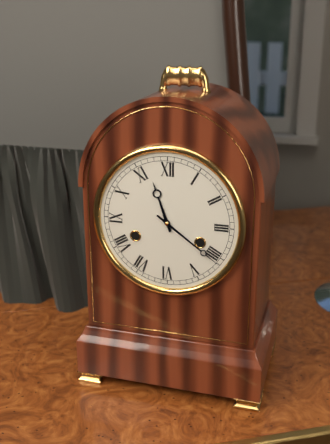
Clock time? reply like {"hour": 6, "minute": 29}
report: {"hour": 11, "minute": 21}
